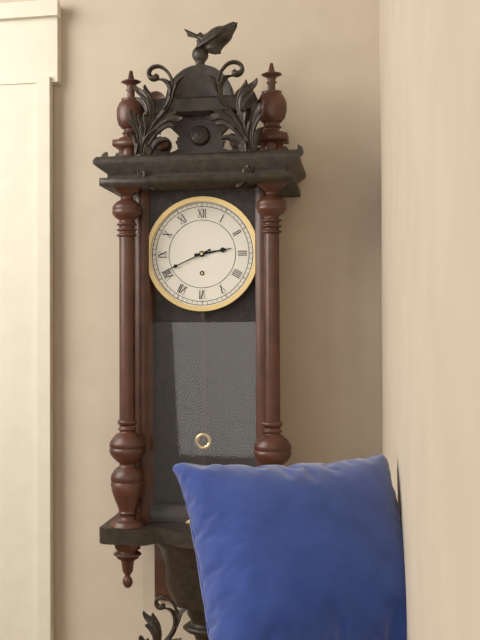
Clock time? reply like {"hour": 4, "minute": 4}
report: {"hour": 2, "minute": 41}
